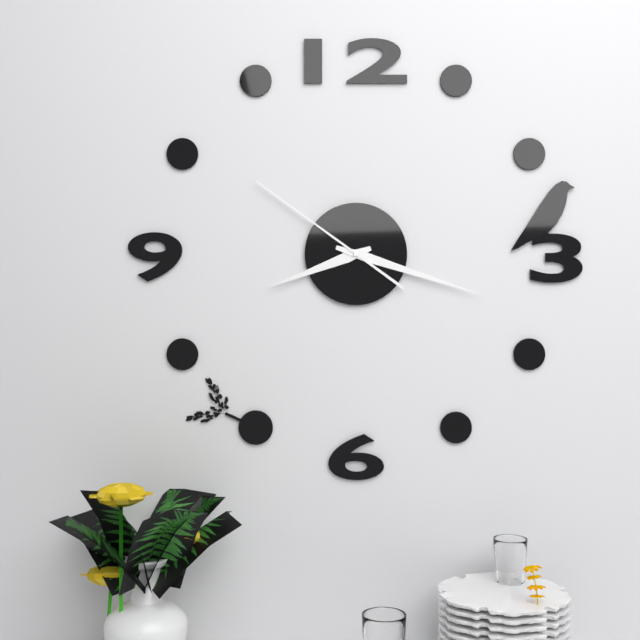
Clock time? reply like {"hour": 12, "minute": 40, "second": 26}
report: {"hour": 8, "minute": 18, "second": 51}
